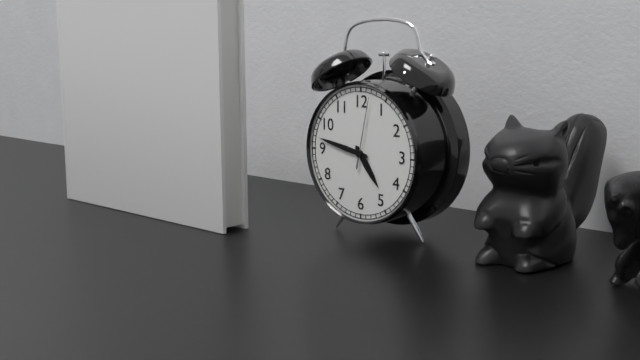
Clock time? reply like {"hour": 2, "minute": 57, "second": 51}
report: {"hour": 4, "minute": 47, "second": 2}
